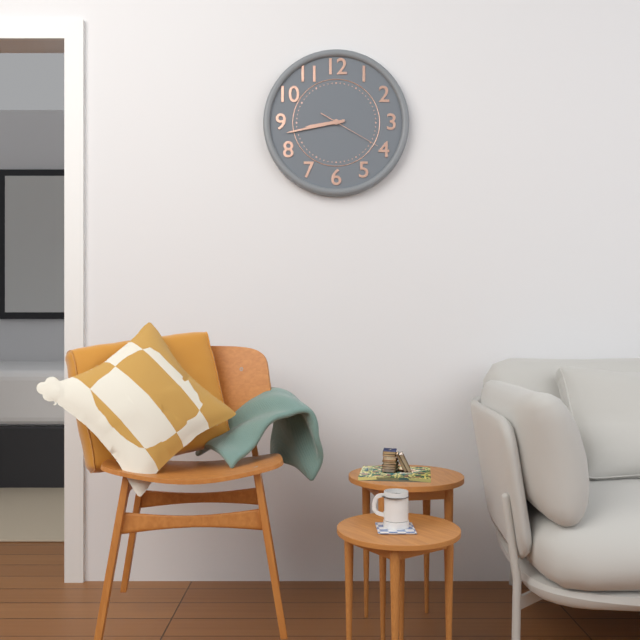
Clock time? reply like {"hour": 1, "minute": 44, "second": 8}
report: {"hour": 8, "minute": 43, "second": 20}
